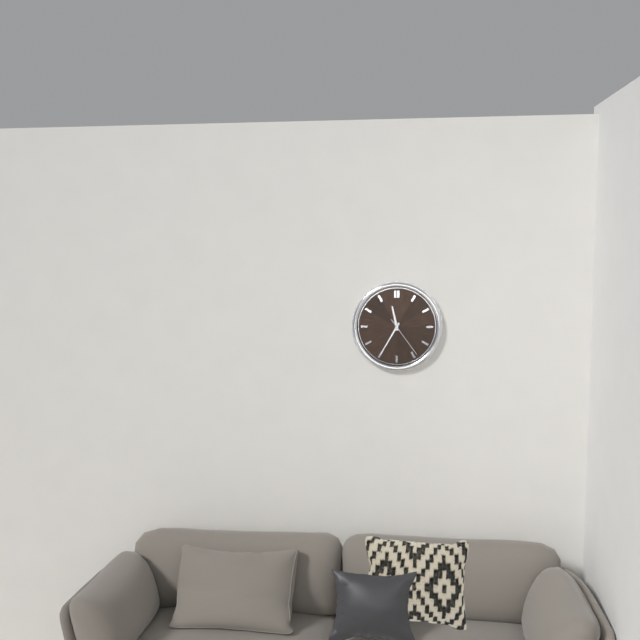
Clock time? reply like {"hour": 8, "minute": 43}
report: {"hour": 11, "minute": 35}
